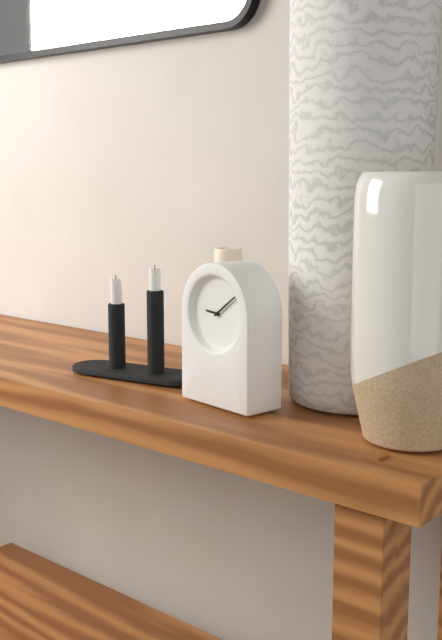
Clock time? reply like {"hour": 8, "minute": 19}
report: {"hour": 9, "minute": 9}
